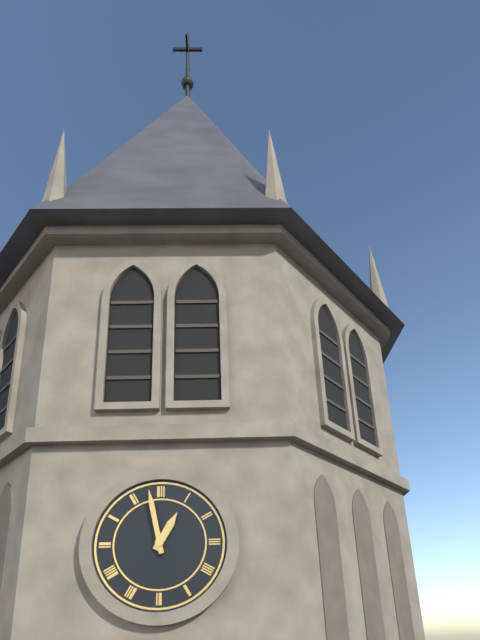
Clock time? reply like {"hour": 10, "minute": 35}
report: {"hour": 12, "minute": 58}
